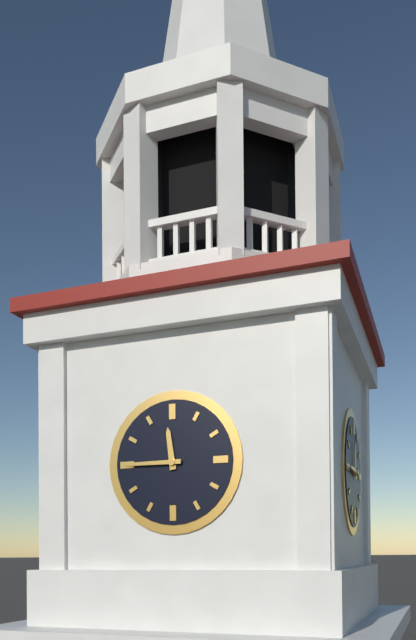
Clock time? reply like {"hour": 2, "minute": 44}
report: {"hour": 11, "minute": 45}
